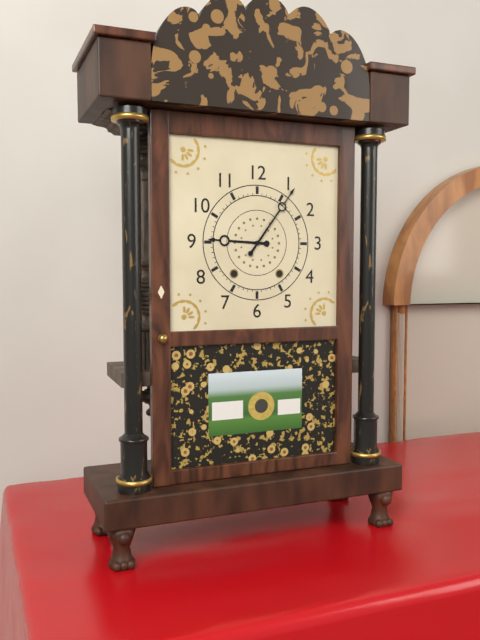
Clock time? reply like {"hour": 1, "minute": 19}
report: {"hour": 9, "minute": 6}
